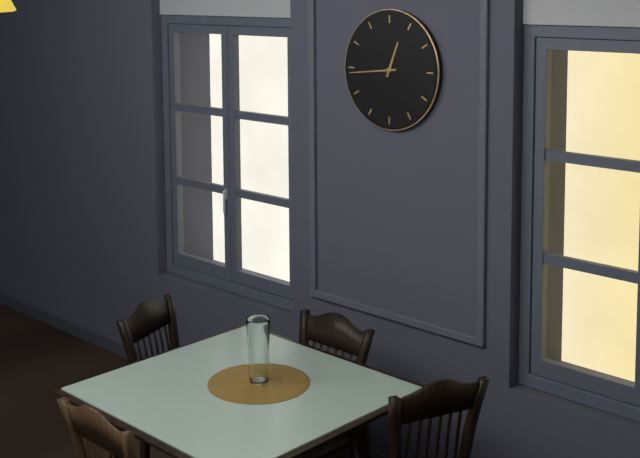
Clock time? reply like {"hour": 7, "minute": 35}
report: {"hour": 12, "minute": 44}
